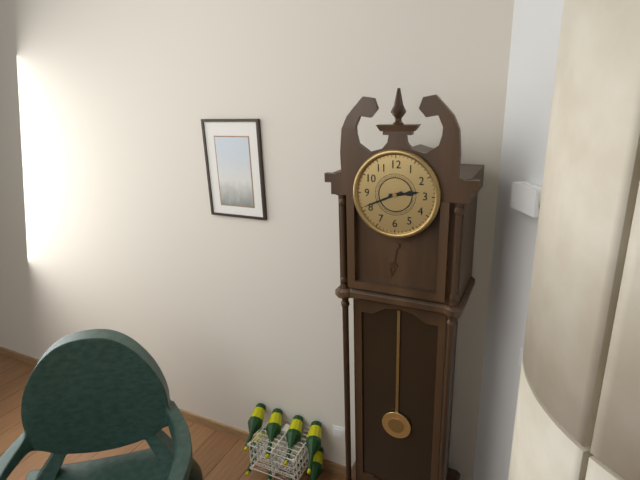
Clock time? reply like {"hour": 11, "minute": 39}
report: {"hour": 2, "minute": 41}
